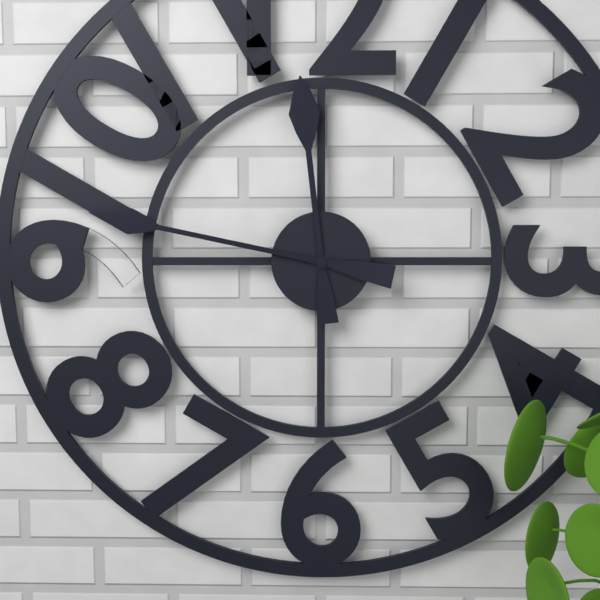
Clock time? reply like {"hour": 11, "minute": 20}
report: {"hour": 11, "minute": 47}
